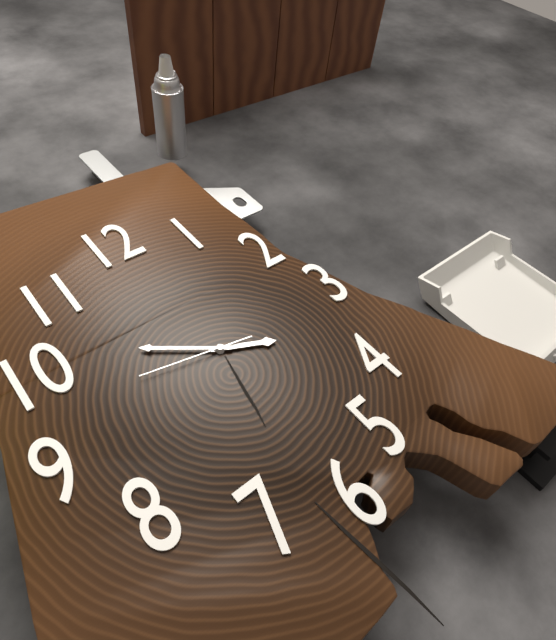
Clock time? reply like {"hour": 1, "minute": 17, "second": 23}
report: {"hour": 3, "minute": 51, "second": 47}
